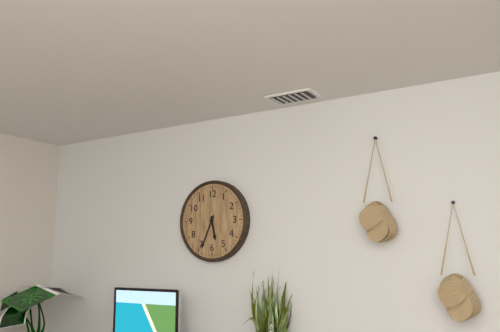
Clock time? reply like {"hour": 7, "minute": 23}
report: {"hour": 5, "minute": 34}
